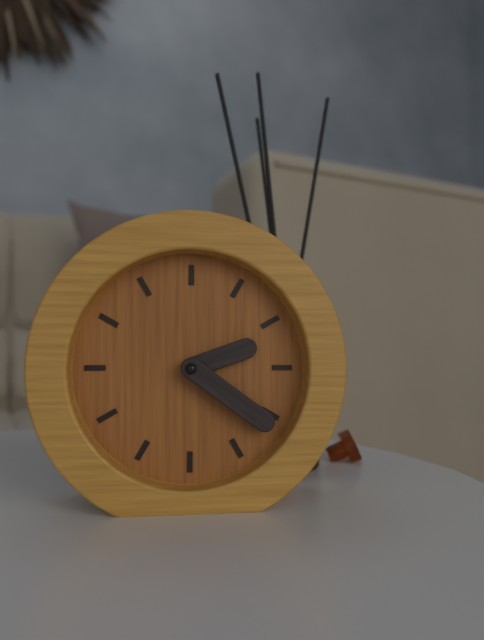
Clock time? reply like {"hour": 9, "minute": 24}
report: {"hour": 2, "minute": 21}
